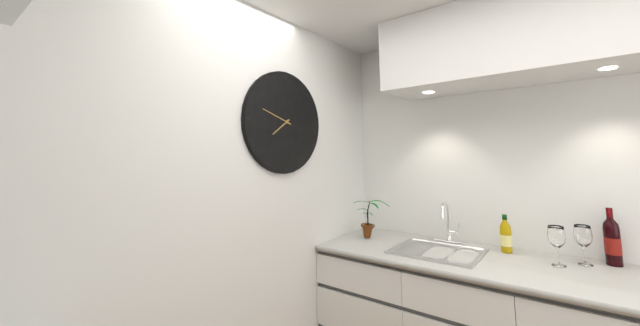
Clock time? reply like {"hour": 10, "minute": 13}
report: {"hour": 7, "minute": 48}
